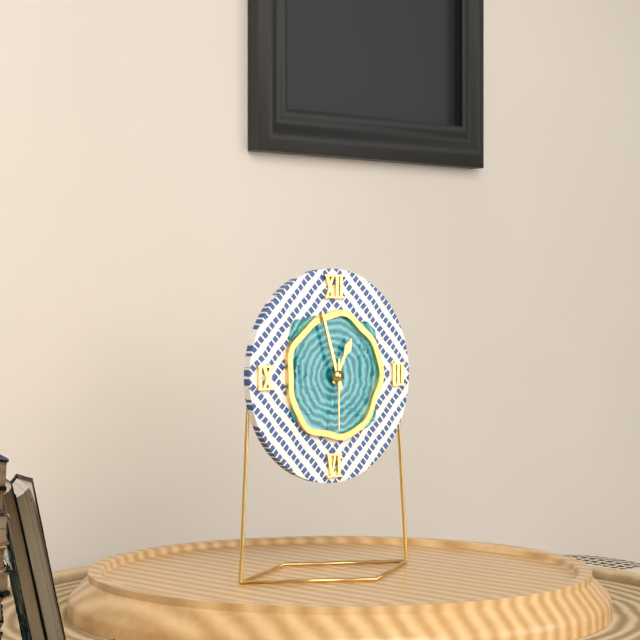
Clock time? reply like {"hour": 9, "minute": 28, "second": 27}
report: {"hour": 12, "minute": 57, "second": 30}
